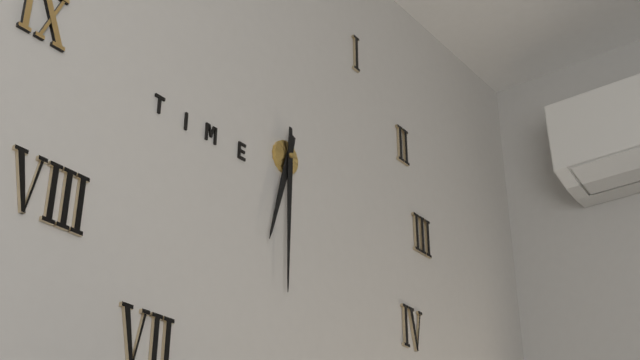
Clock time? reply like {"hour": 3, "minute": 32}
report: {"hour": 6, "minute": 30}
